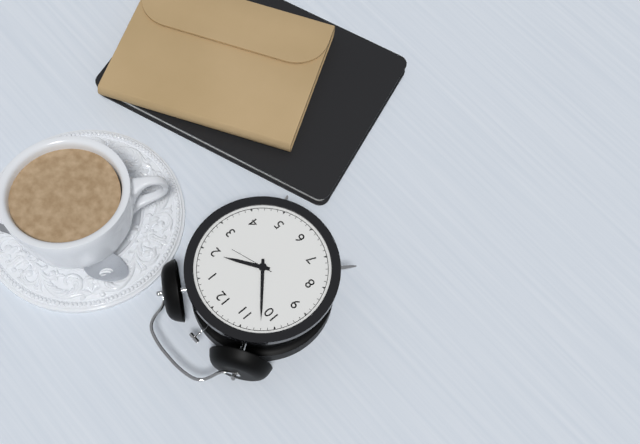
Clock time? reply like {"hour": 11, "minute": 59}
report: {"hour": 1, "minute": 52}
